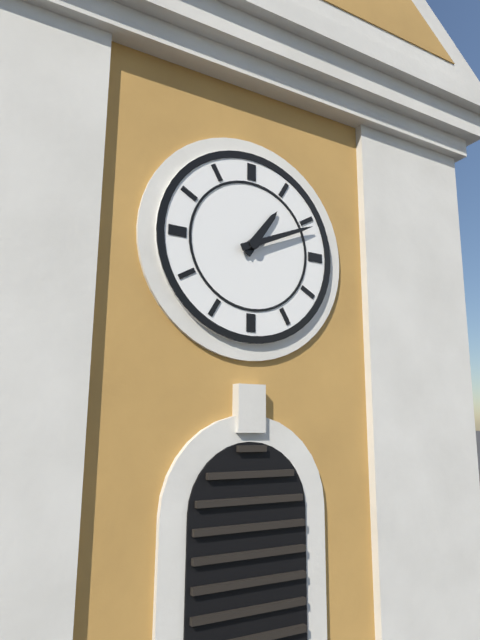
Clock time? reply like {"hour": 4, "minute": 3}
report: {"hour": 1, "minute": 11}
